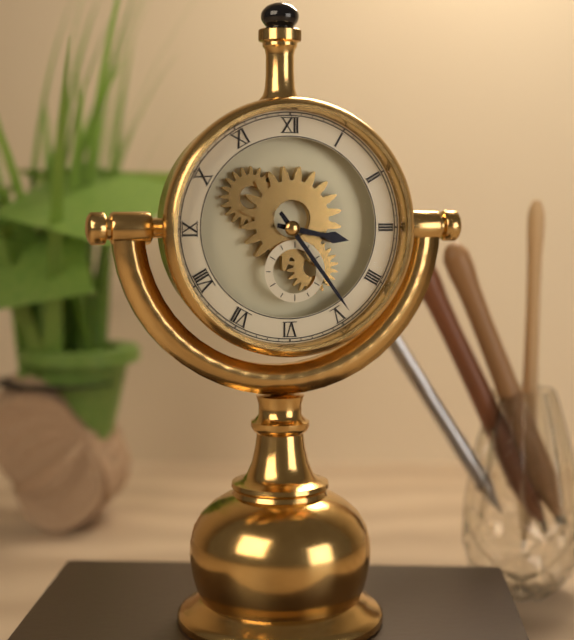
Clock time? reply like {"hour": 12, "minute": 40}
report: {"hour": 3, "minute": 24}
